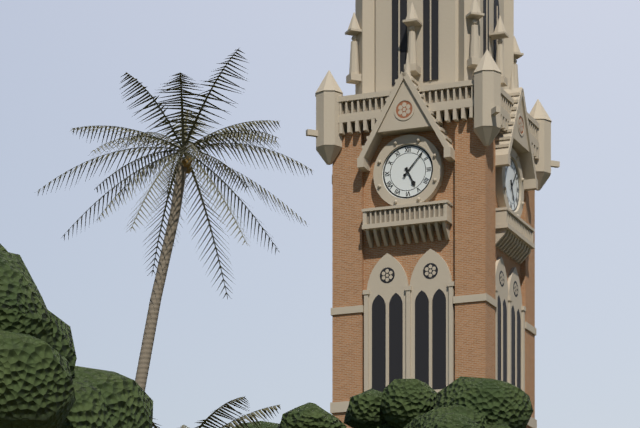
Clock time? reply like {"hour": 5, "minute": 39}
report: {"hour": 5, "minute": 7}
